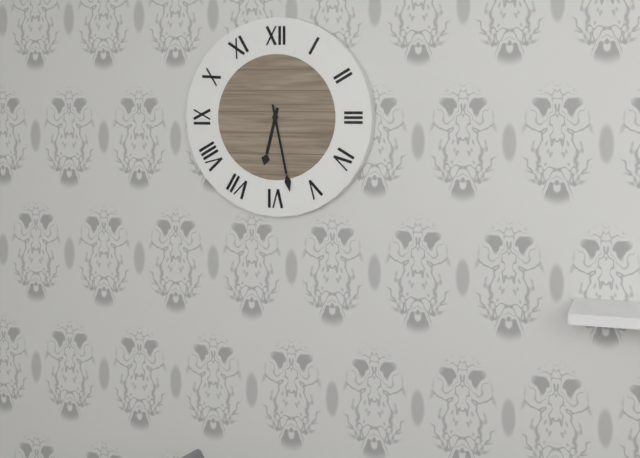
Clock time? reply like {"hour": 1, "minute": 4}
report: {"hour": 6, "minute": 28}
